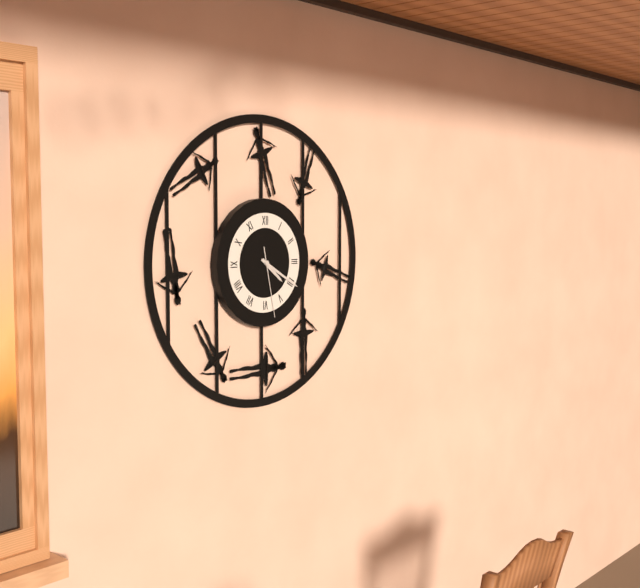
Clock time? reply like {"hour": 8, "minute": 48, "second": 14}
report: {"hour": 4, "minute": 20, "second": 28}
